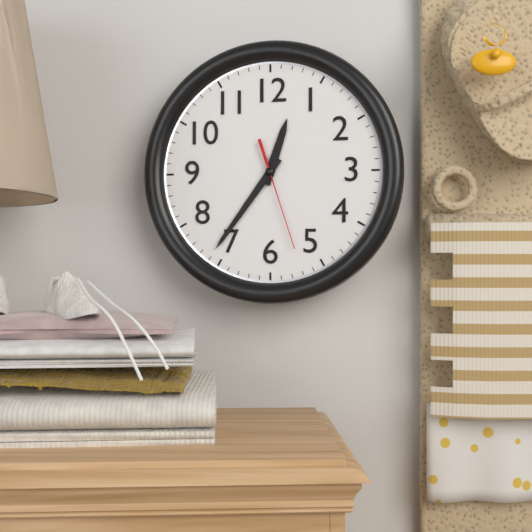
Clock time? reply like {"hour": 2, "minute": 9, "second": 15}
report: {"hour": 12, "minute": 36, "second": 27}
